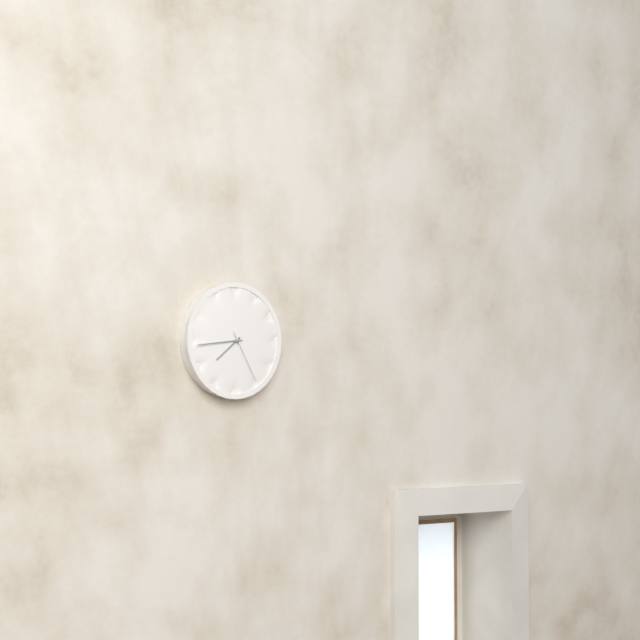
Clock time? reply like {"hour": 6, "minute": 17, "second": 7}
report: {"hour": 7, "minute": 44, "second": 25}
